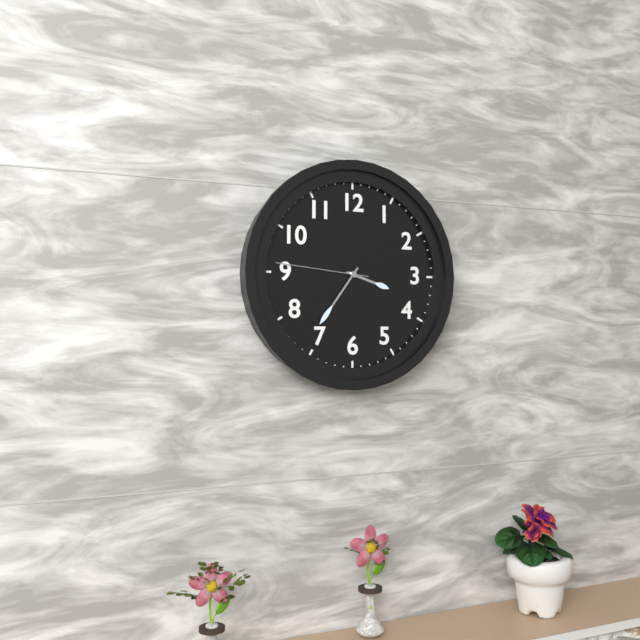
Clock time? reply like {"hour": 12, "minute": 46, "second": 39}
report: {"hour": 3, "minute": 36, "second": 46}
